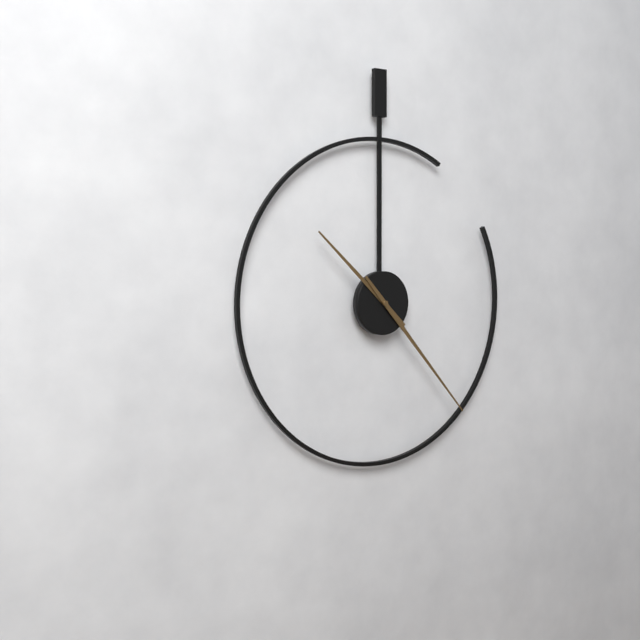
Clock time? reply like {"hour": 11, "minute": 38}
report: {"hour": 10, "minute": 23}
